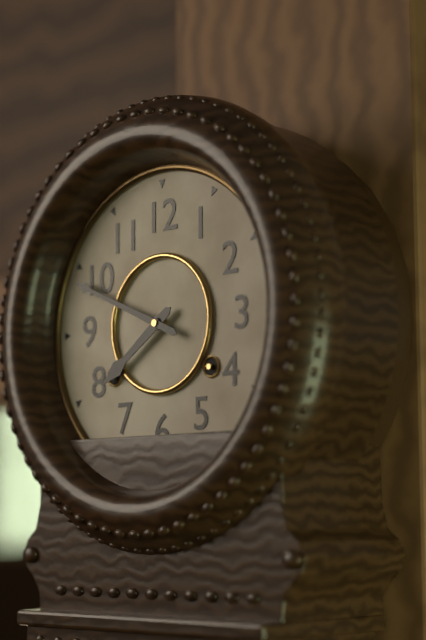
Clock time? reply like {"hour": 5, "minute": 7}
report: {"hour": 7, "minute": 49}
